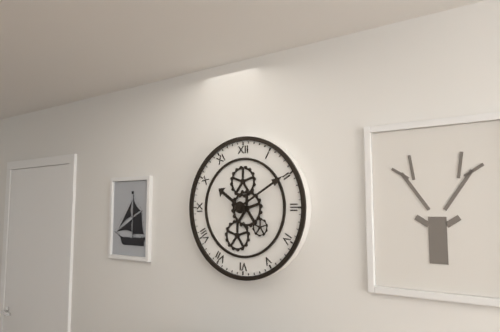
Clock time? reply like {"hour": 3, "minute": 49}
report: {"hour": 10, "minute": 10}
